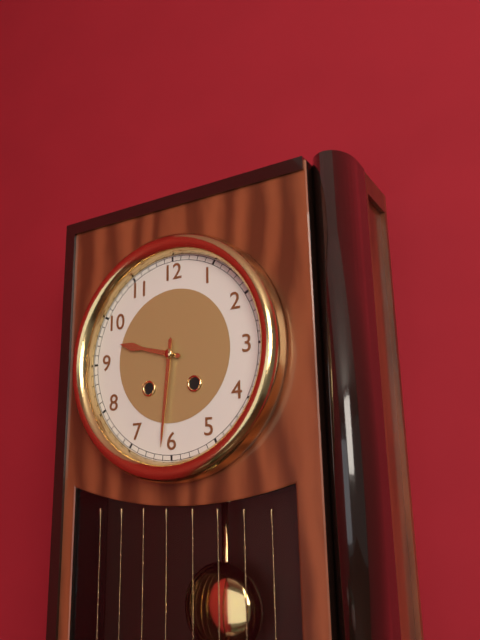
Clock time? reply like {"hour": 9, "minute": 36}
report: {"hour": 9, "minute": 31}
